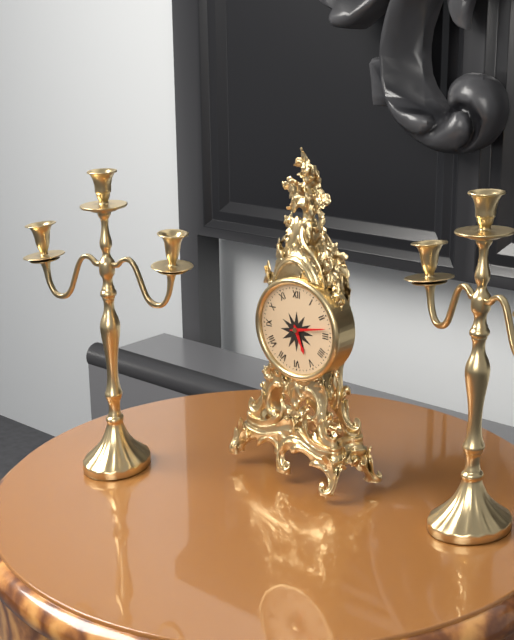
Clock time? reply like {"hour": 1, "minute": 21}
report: {"hour": 5, "minute": 13}
